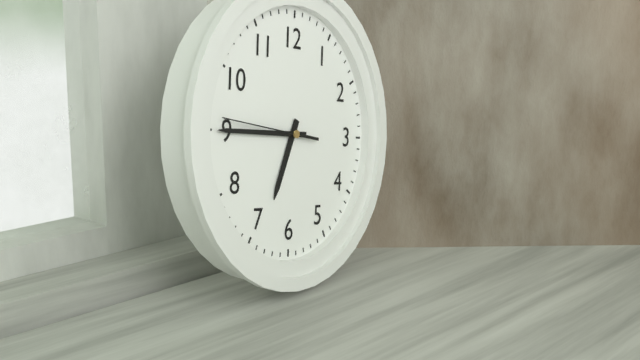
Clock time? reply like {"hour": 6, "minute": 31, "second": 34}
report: {"hour": 6, "minute": 45, "second": 46}
